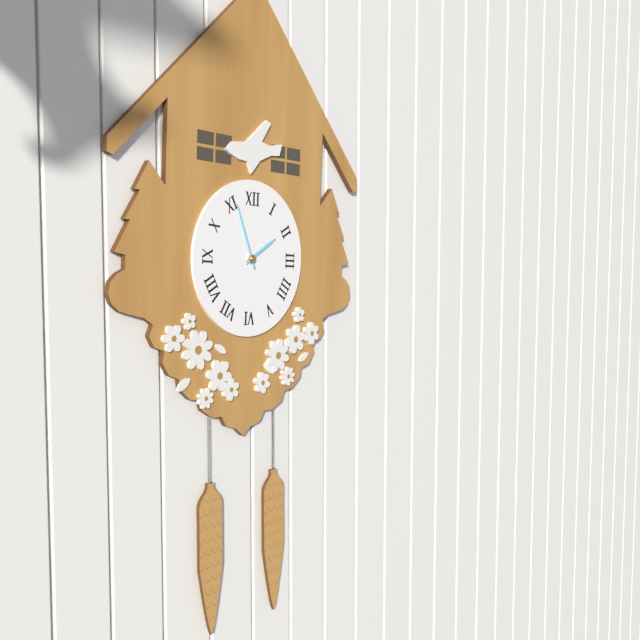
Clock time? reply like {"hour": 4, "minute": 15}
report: {"hour": 1, "minute": 56}
